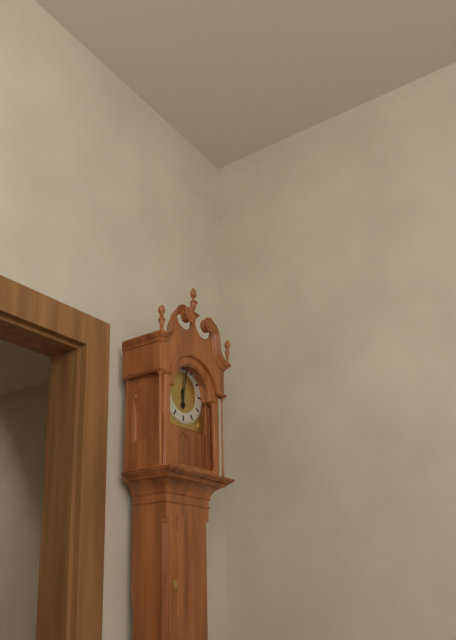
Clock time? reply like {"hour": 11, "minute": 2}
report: {"hour": 6, "minute": 2}
